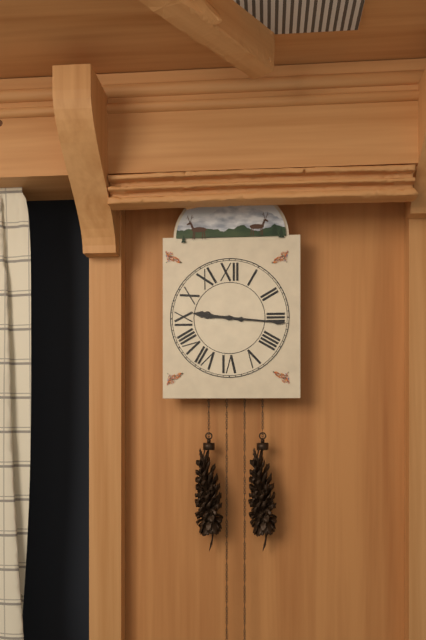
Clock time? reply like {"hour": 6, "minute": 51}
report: {"hour": 9, "minute": 16}
